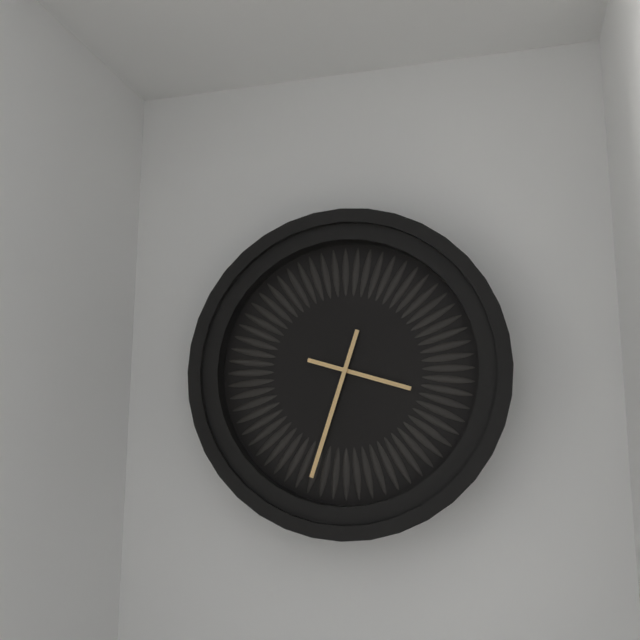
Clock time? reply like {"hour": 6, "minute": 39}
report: {"hour": 3, "minute": 33}
